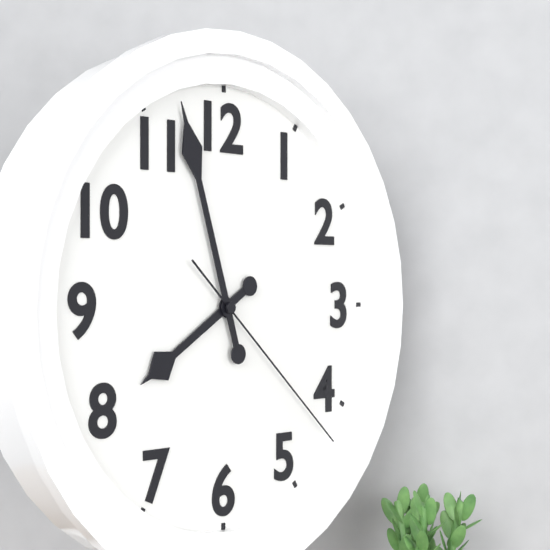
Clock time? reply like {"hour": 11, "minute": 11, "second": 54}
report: {"hour": 7, "minute": 57, "second": 22}
